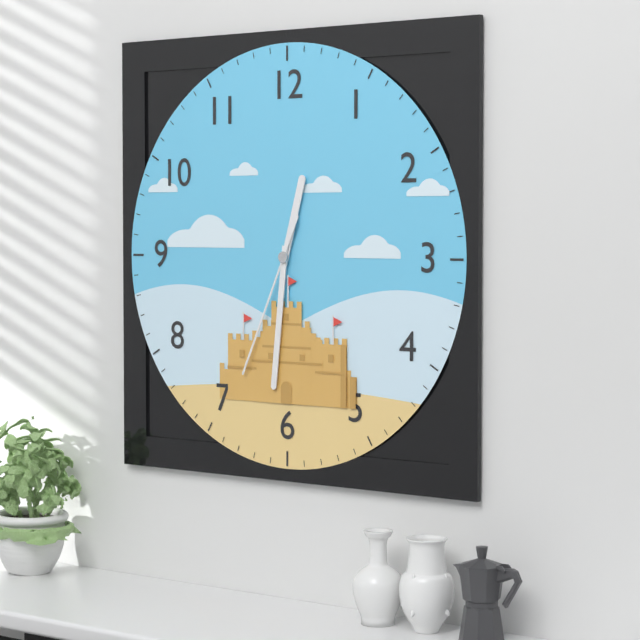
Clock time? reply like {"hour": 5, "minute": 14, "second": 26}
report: {"hour": 12, "minute": 31, "second": 34}
